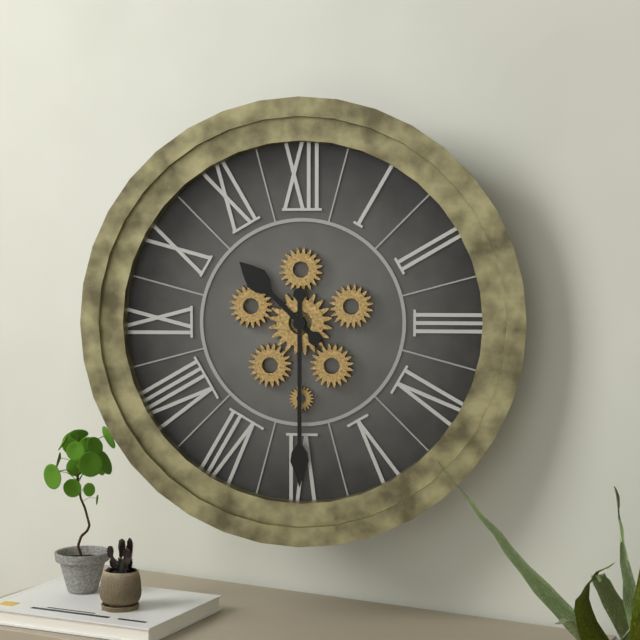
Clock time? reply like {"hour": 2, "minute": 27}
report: {"hour": 10, "minute": 30}
